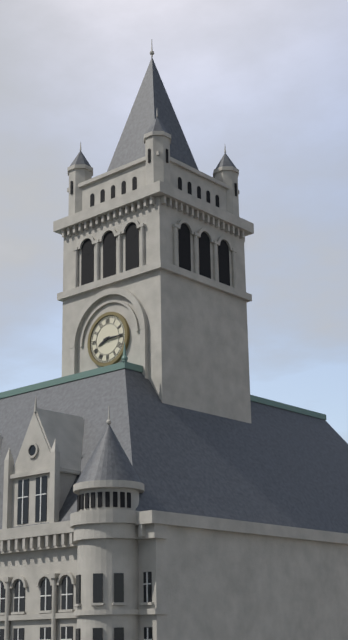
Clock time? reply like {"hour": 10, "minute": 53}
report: {"hour": 8, "minute": 15}
